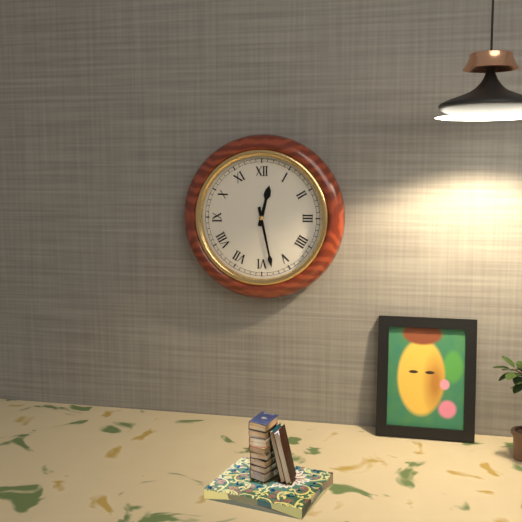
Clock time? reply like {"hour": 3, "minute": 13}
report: {"hour": 12, "minute": 28}
